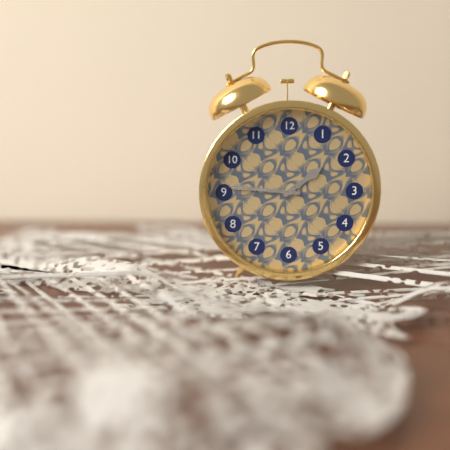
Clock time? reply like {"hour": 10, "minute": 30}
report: {"hour": 1, "minute": 46}
